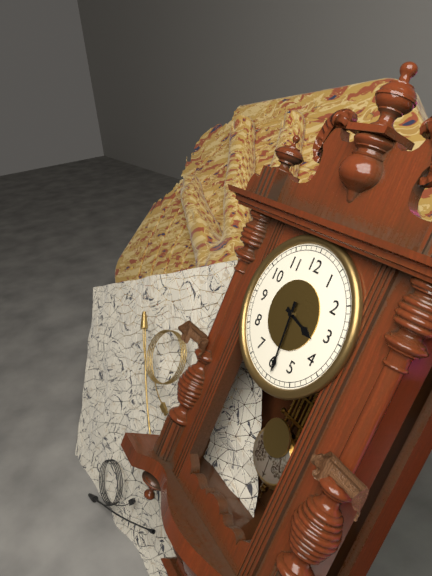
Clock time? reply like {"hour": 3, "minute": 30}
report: {"hour": 3, "minute": 29}
